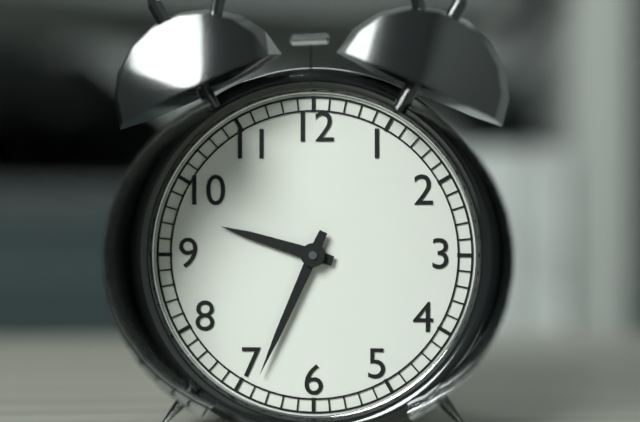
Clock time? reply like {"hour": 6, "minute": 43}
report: {"hour": 9, "minute": 34}
